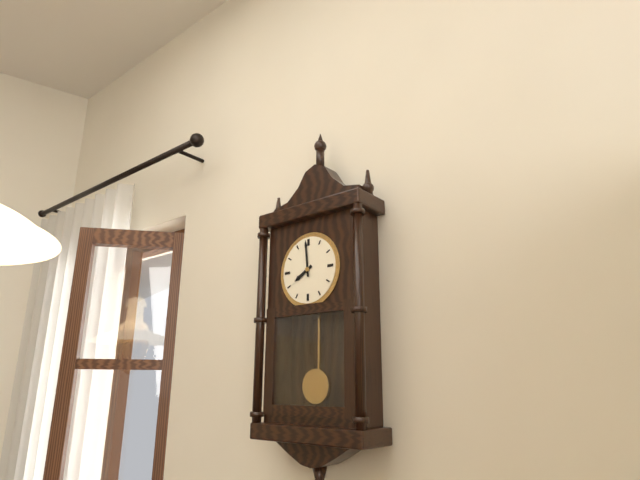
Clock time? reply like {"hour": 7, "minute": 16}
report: {"hour": 7, "minute": 59}
